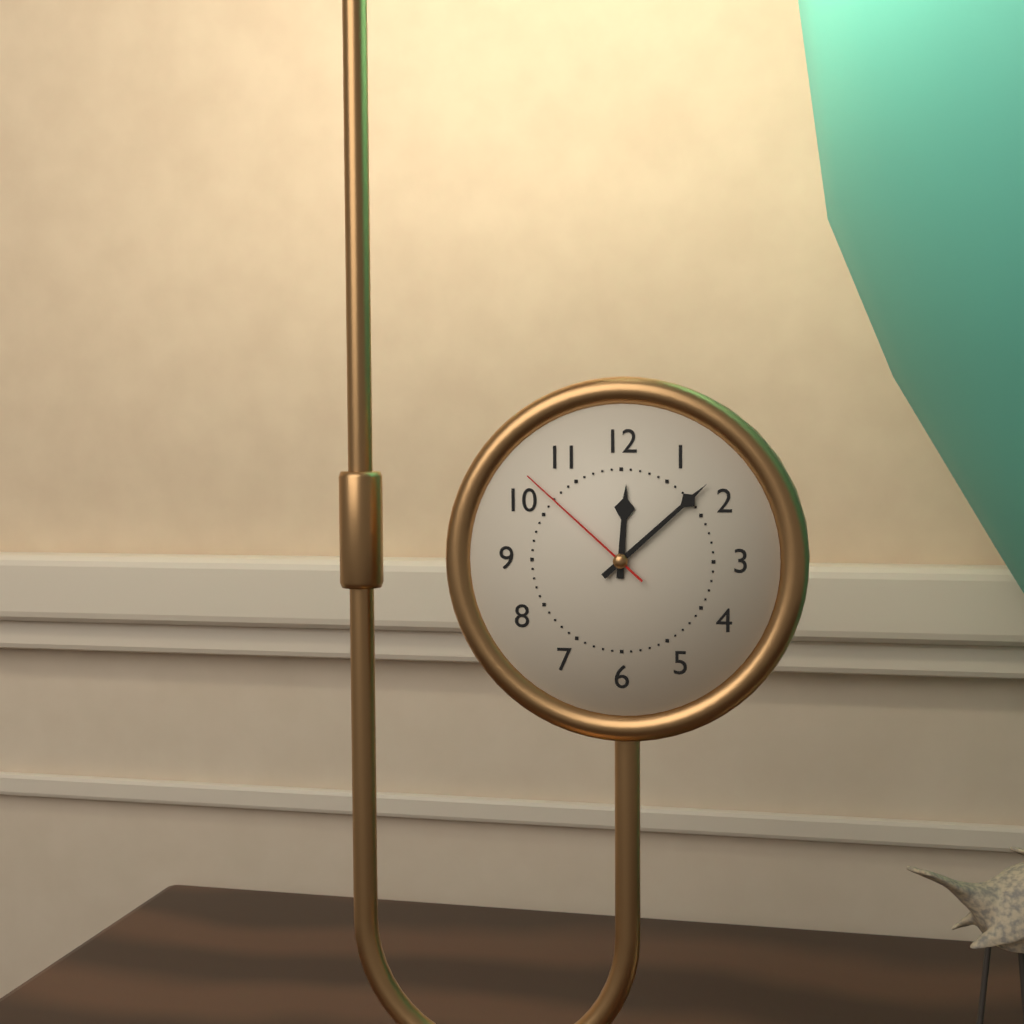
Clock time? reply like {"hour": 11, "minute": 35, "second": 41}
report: {"hour": 12, "minute": 8, "second": 52}
